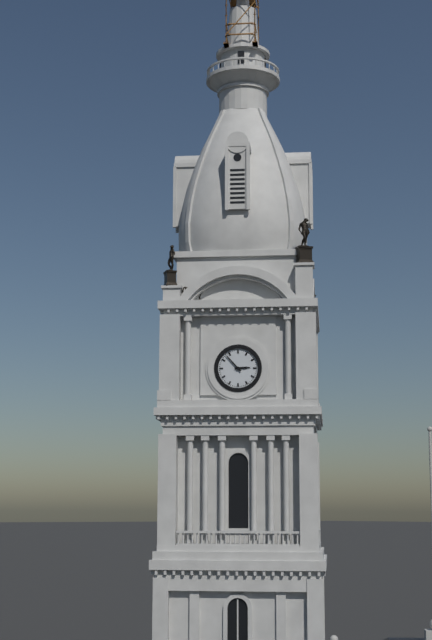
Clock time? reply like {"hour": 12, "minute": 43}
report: {"hour": 2, "minute": 53}
